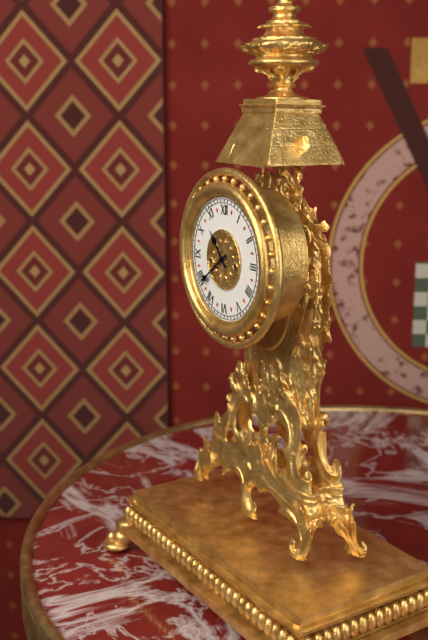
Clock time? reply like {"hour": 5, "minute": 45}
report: {"hour": 10, "minute": 39}
